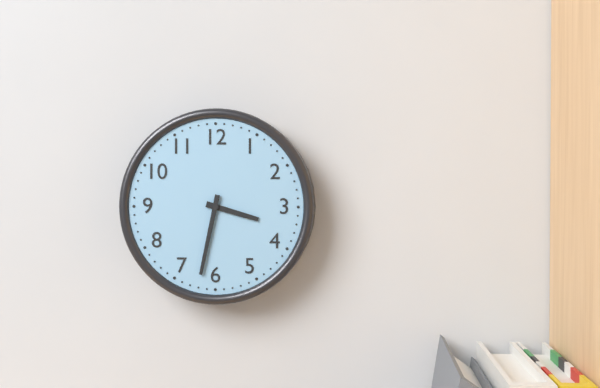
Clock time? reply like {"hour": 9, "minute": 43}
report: {"hour": 3, "minute": 32}
